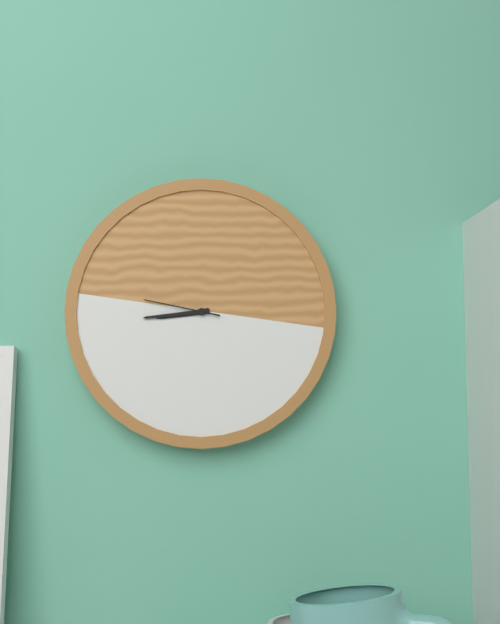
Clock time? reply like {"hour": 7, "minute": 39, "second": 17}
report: {"hour": 8, "minute": 44, "second": 47}
